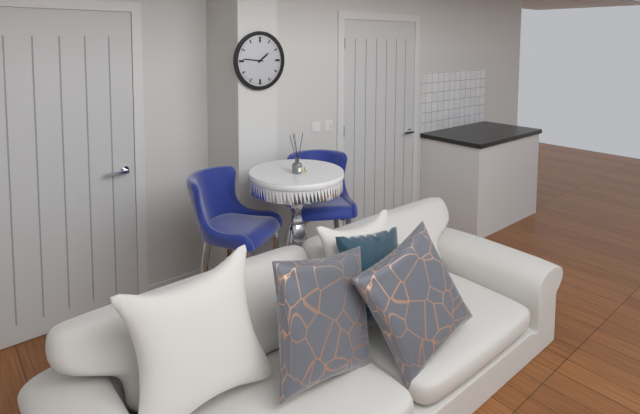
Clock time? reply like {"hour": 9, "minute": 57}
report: {"hour": 1, "minute": 46}
